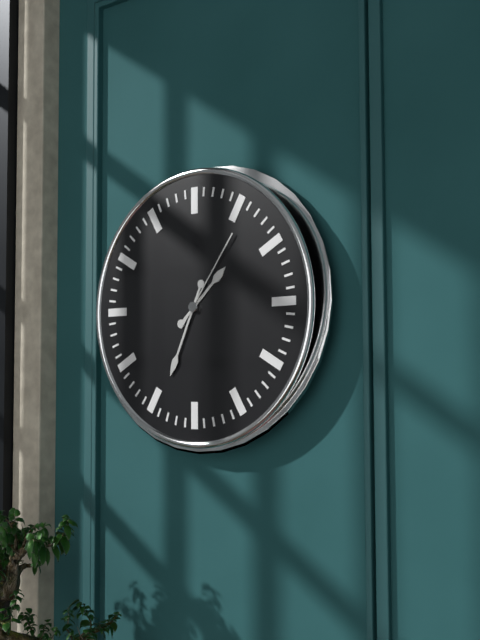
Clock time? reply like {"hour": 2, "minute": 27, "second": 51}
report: {"hour": 1, "minute": 34, "second": 6}
